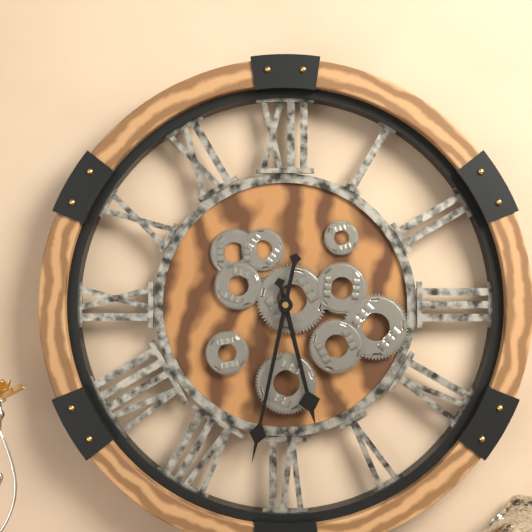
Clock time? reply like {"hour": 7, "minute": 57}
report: {"hour": 5, "minute": 32}
